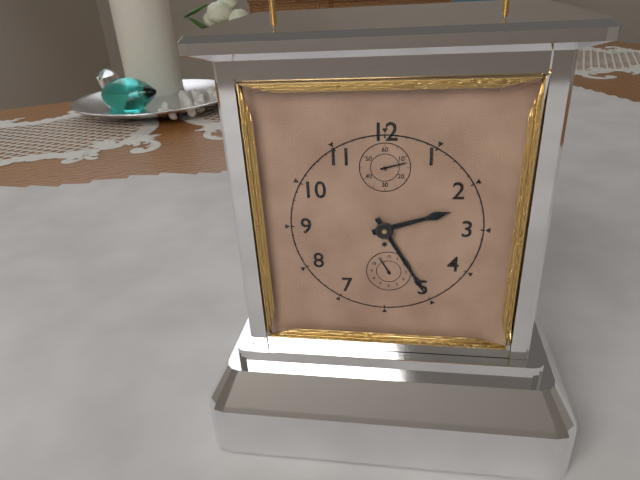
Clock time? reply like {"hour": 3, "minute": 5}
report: {"hour": 2, "minute": 25}
